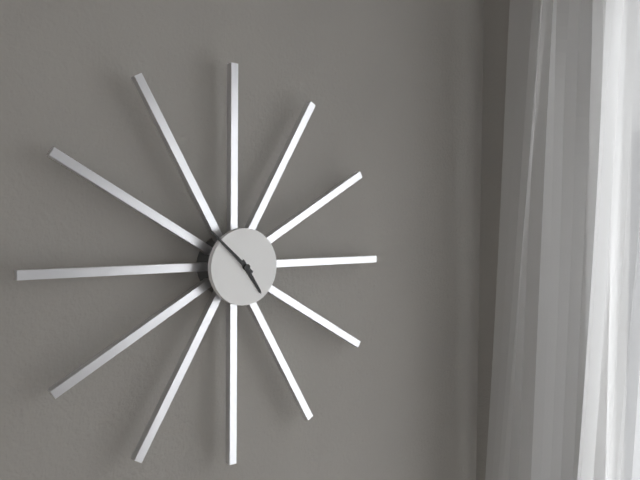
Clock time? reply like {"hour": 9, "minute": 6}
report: {"hour": 4, "minute": 52}
